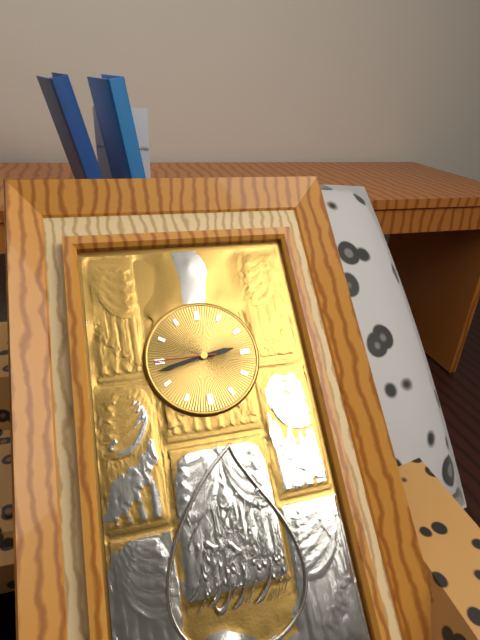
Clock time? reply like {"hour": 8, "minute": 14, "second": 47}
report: {"hour": 2, "minute": 43, "second": 45}
